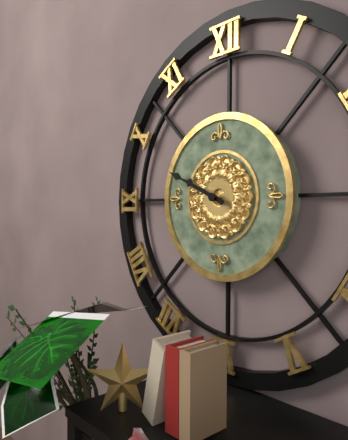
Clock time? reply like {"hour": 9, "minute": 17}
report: {"hour": 9, "minute": 49}
